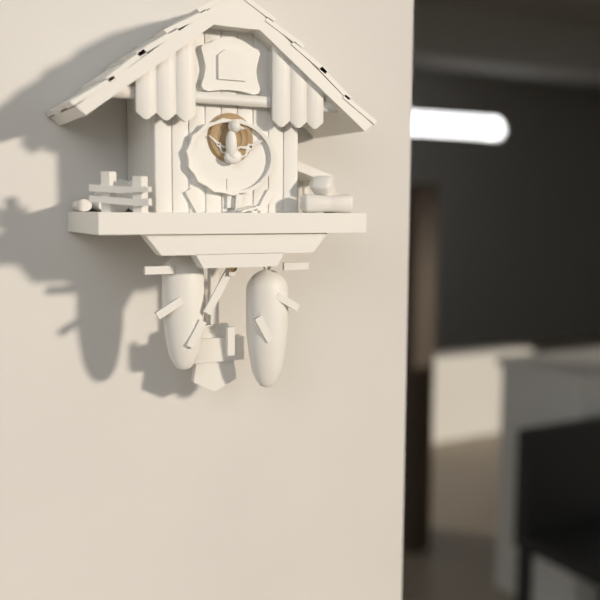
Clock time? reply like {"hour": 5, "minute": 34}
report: {"hour": 7, "minute": 1}
